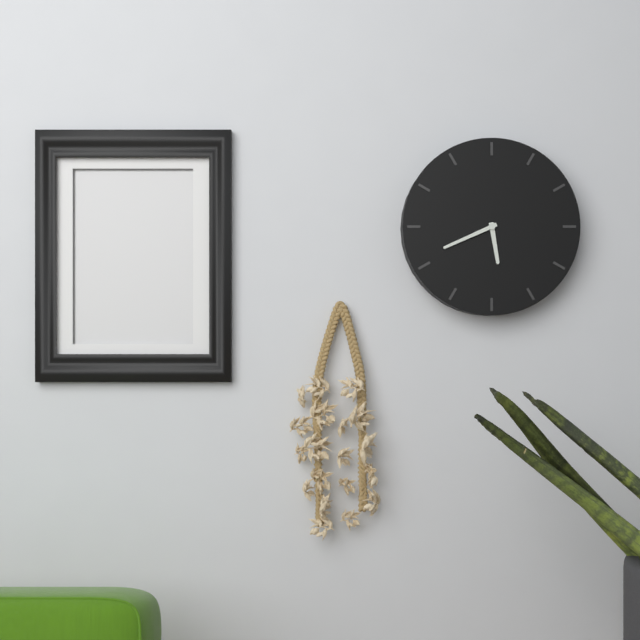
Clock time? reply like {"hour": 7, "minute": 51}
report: {"hour": 5, "minute": 41}
